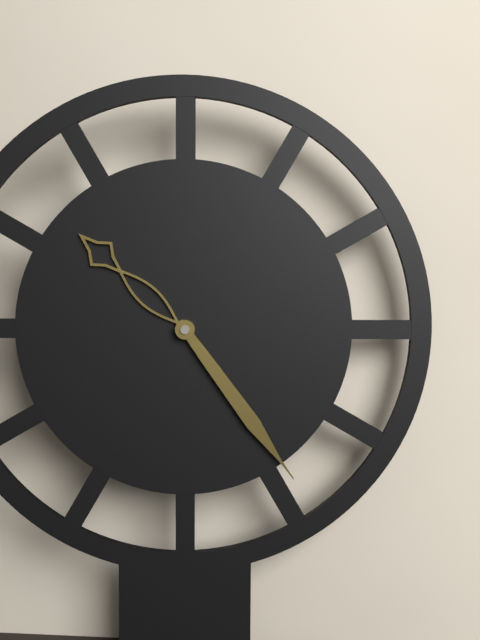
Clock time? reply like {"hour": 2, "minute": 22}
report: {"hour": 10, "minute": 24}
